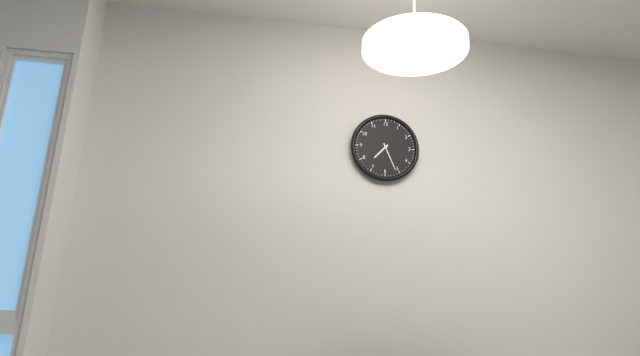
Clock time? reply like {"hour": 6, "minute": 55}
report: {"hour": 7, "minute": 26}
